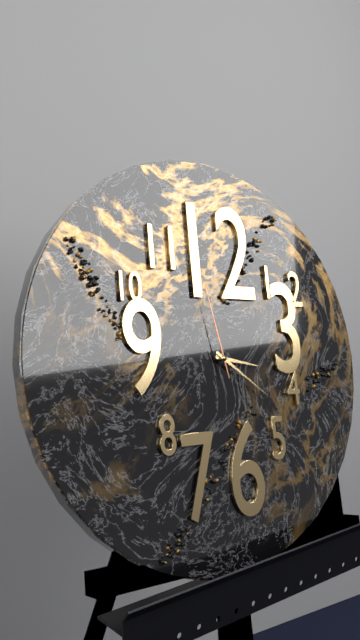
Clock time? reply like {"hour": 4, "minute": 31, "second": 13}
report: {"hour": 3, "minute": 21, "second": 58}
